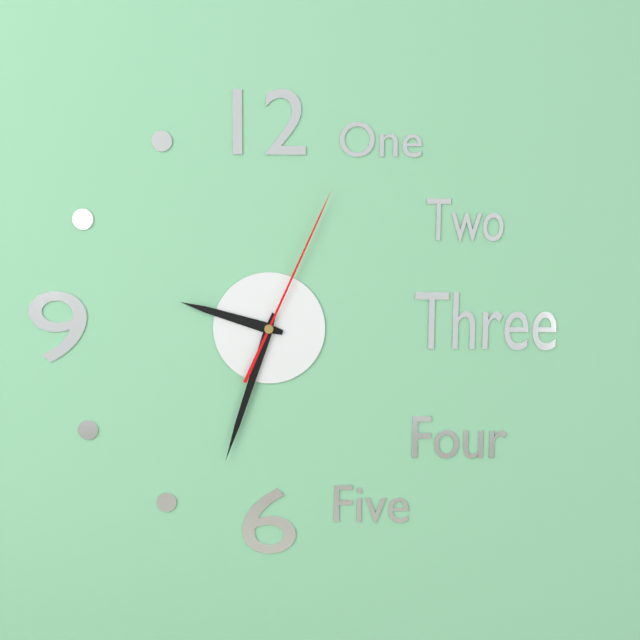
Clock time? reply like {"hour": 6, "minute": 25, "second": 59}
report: {"hour": 9, "minute": 33, "second": 4}
